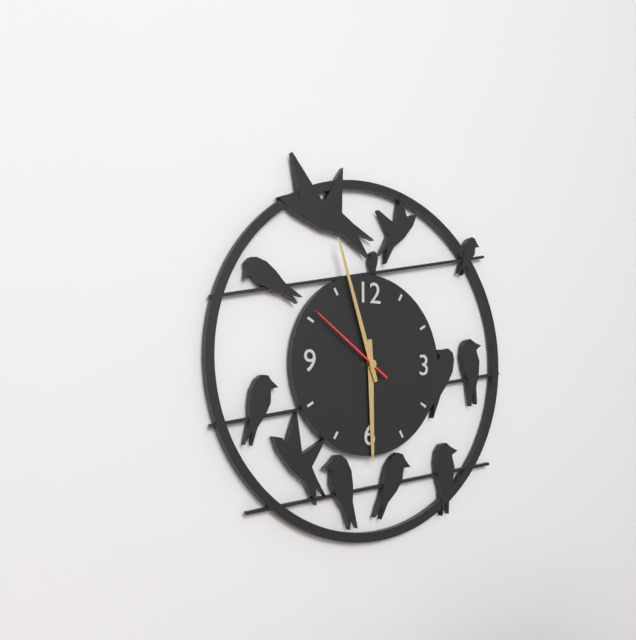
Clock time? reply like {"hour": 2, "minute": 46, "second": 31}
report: {"hour": 5, "minute": 57, "second": 51}
